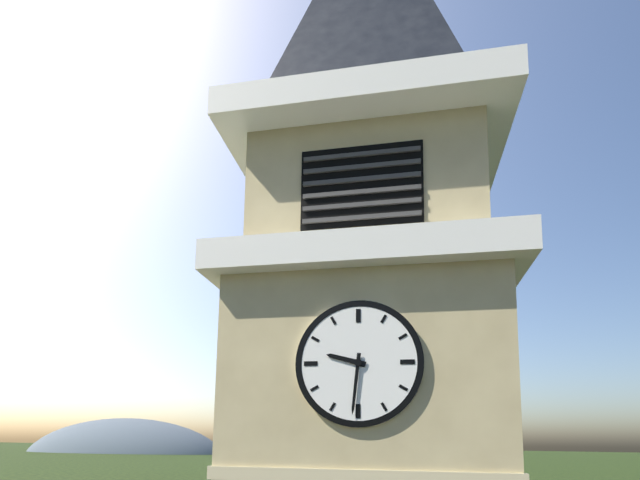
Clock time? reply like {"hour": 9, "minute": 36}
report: {"hour": 9, "minute": 31}
